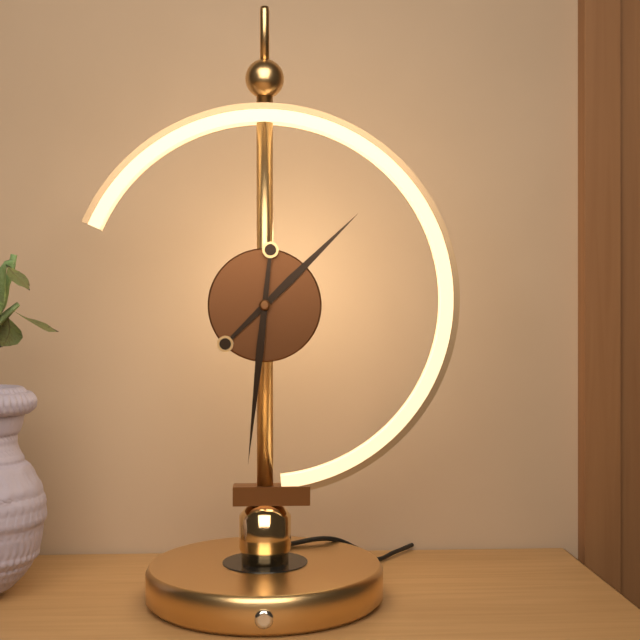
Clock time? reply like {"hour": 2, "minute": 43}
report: {"hour": 1, "minute": 31}
